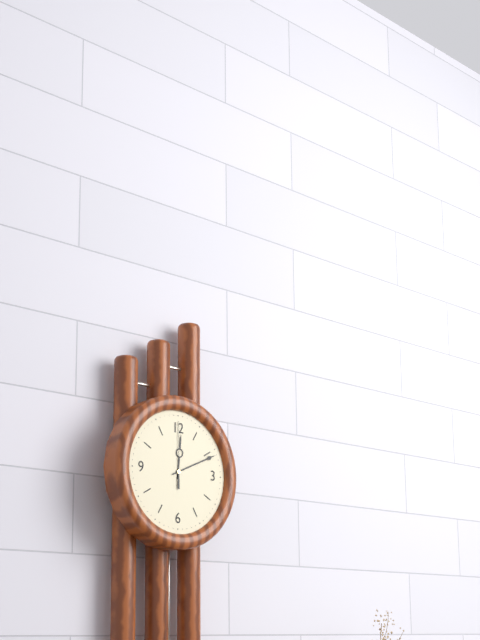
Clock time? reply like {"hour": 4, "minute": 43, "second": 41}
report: {"hour": 12, "minute": 11, "second": 0}
